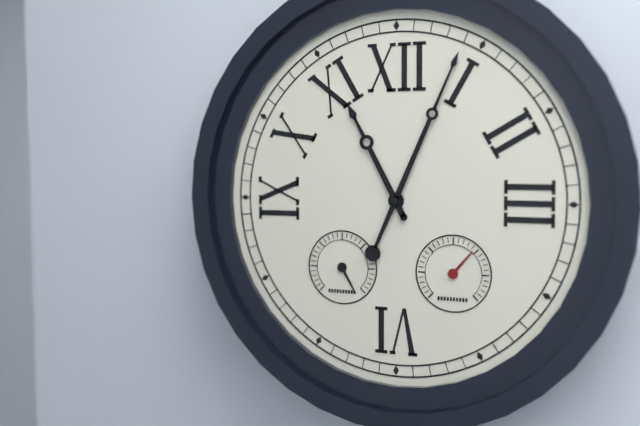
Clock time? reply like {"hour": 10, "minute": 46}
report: {"hour": 11, "minute": 4}
